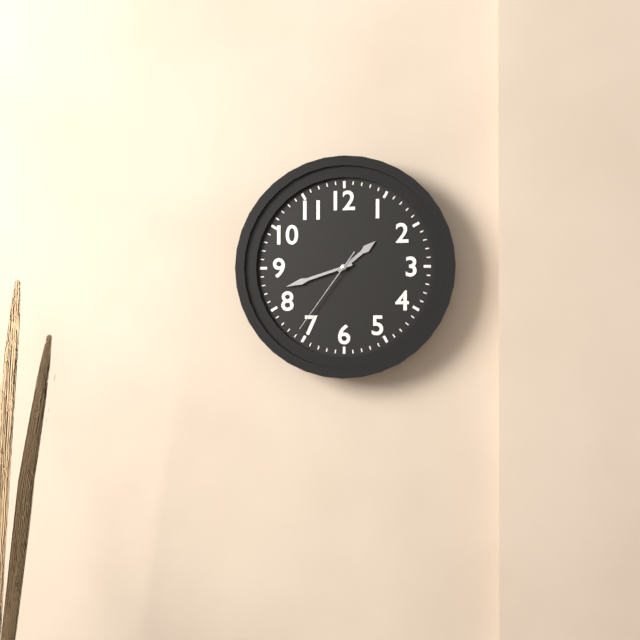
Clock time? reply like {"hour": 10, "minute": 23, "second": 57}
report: {"hour": 1, "minute": 42, "second": 36}
